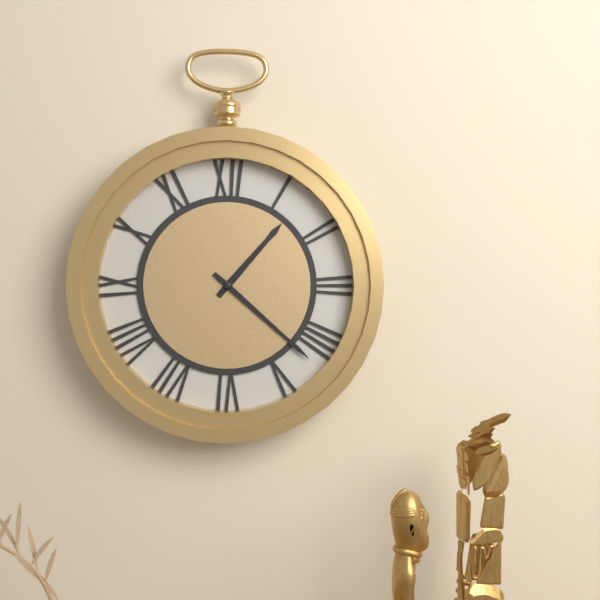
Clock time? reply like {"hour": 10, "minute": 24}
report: {"hour": 1, "minute": 22}
